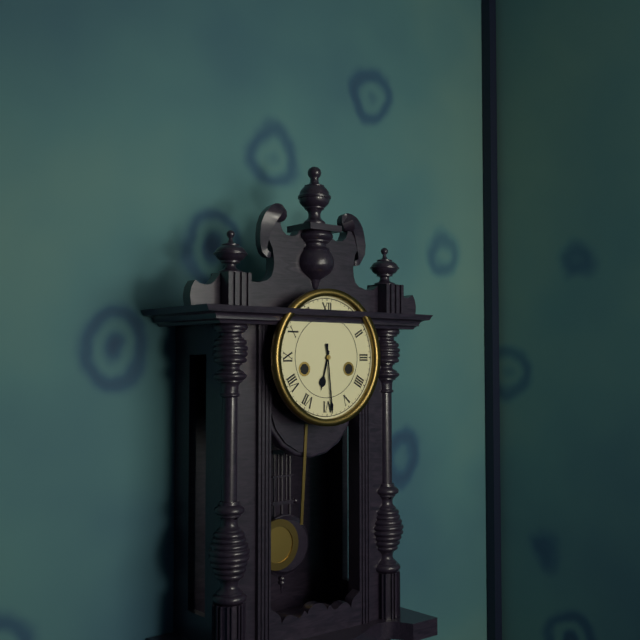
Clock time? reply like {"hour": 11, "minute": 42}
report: {"hour": 6, "minute": 29}
